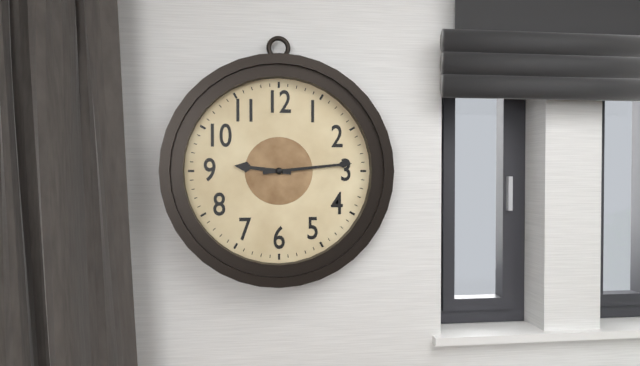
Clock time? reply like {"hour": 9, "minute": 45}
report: {"hour": 9, "minute": 14}
